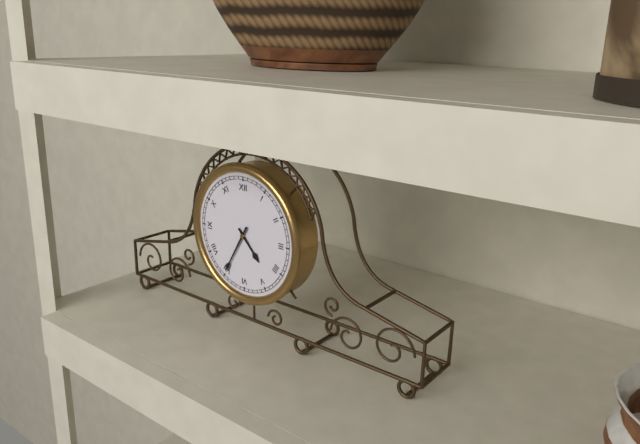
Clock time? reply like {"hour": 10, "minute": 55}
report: {"hour": 4, "minute": 35}
